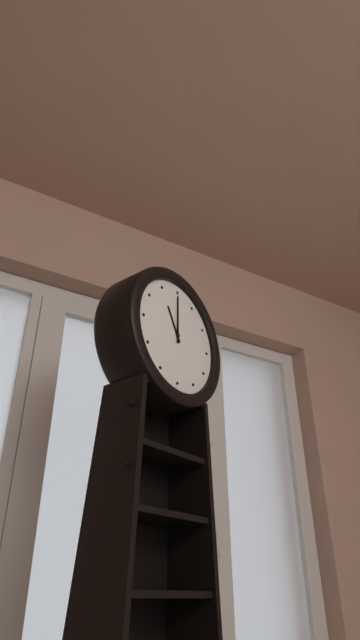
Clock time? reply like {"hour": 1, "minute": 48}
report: {"hour": 11, "minute": 0}
